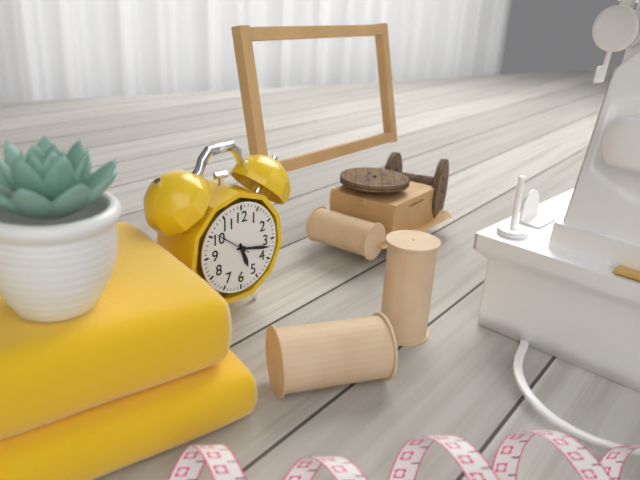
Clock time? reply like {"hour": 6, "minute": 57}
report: {"hour": 5, "minute": 17}
